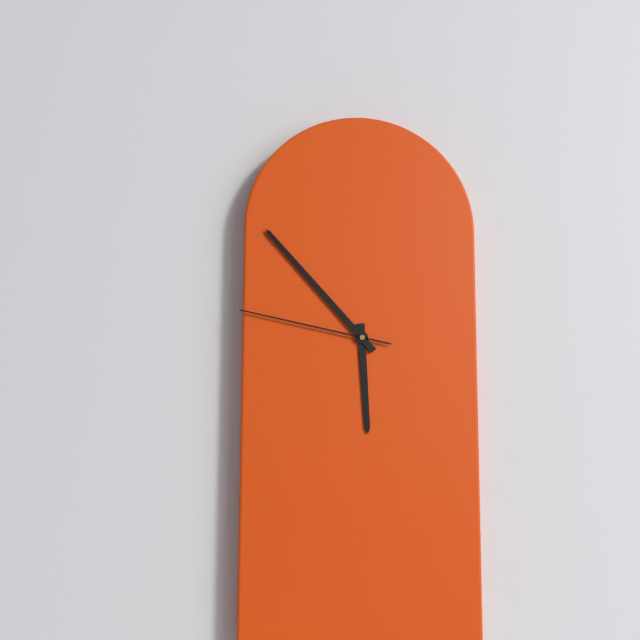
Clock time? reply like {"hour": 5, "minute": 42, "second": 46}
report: {"hour": 5, "minute": 53, "second": 47}
